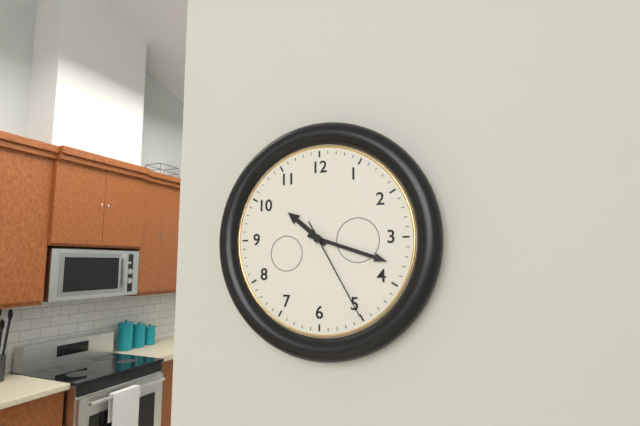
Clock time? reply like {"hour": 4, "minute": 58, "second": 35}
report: {"hour": 10, "minute": 18, "second": 25}
